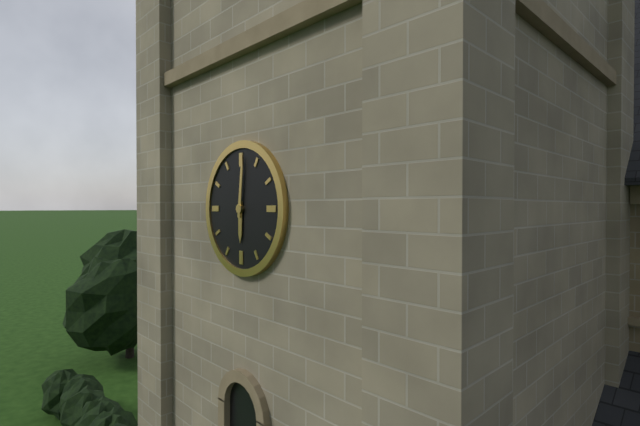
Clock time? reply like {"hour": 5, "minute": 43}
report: {"hour": 6, "minute": 1}
